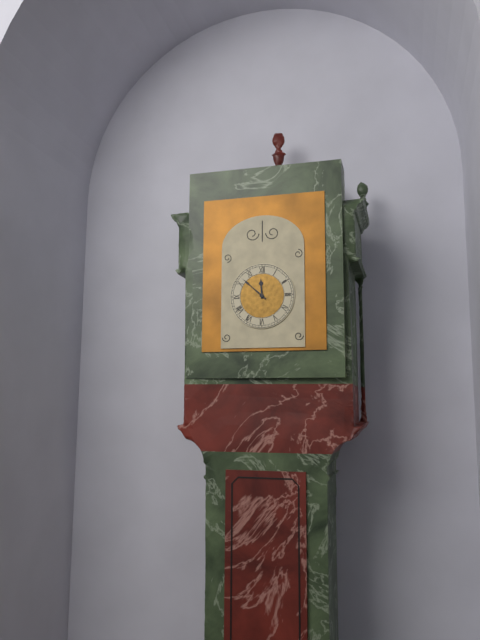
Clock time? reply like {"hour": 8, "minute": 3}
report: {"hour": 11, "minute": 52}
